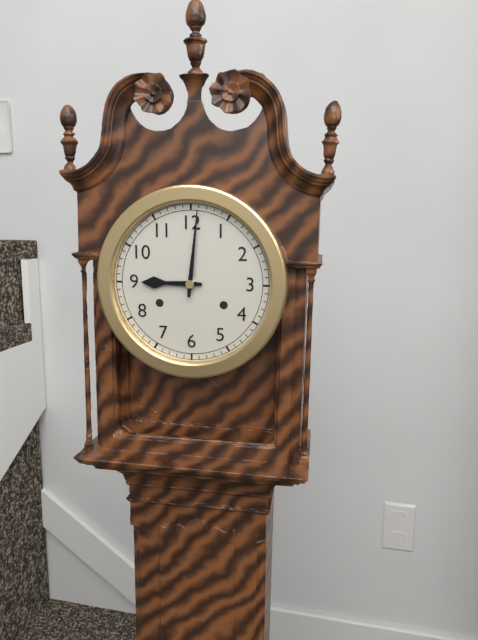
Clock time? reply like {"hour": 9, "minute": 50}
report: {"hour": 9, "minute": 1}
